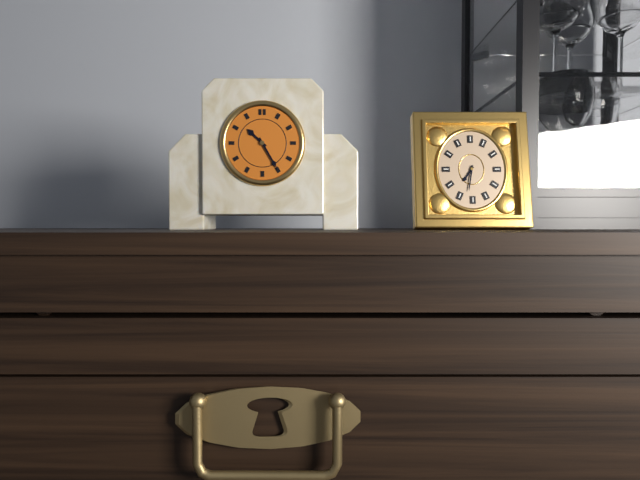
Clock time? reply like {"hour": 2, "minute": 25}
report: {"hour": 10, "minute": 25}
